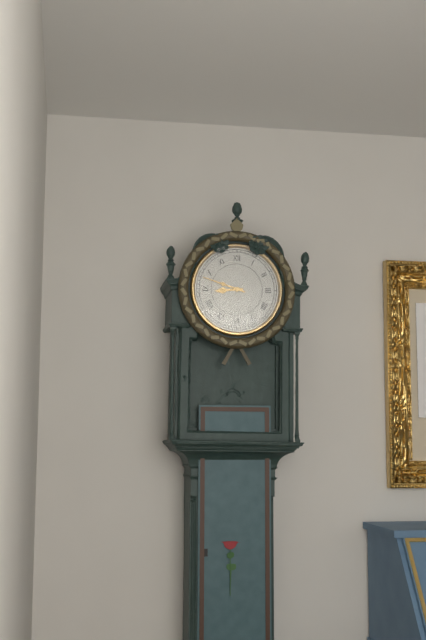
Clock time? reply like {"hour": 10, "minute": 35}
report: {"hour": 8, "minute": 48}
